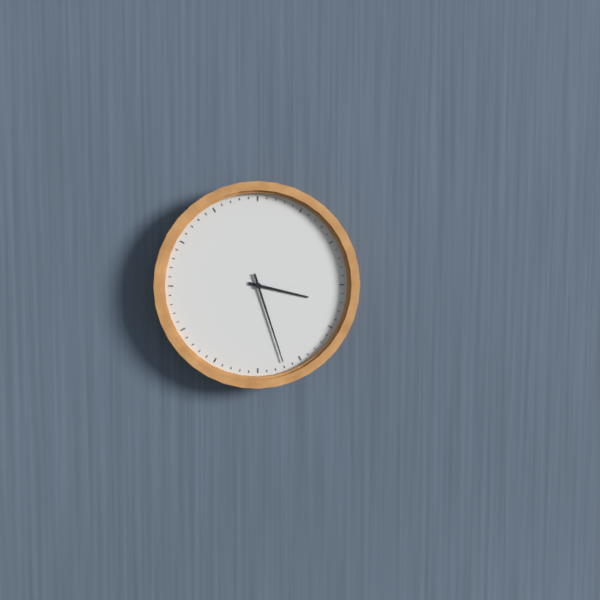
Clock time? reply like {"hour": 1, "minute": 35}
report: {"hour": 3, "minute": 27}
